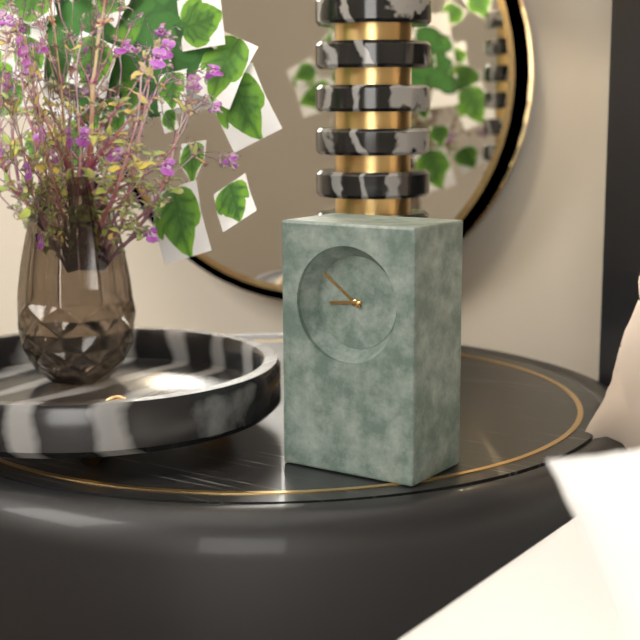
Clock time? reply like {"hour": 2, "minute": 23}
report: {"hour": 8, "minute": 51}
